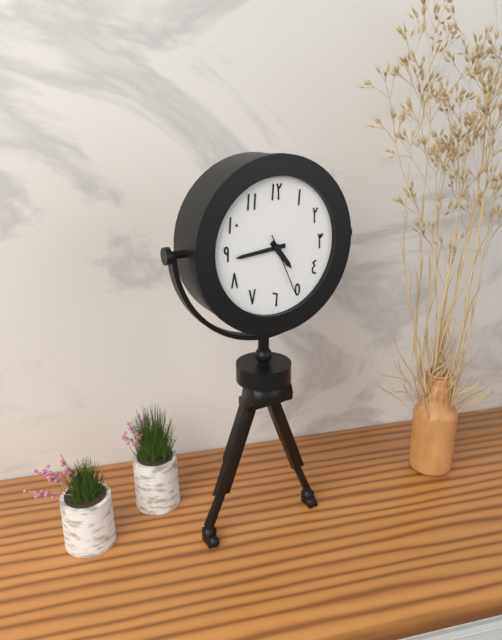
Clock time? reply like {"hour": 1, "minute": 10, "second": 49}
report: {"hour": 4, "minute": 44, "second": 26}
